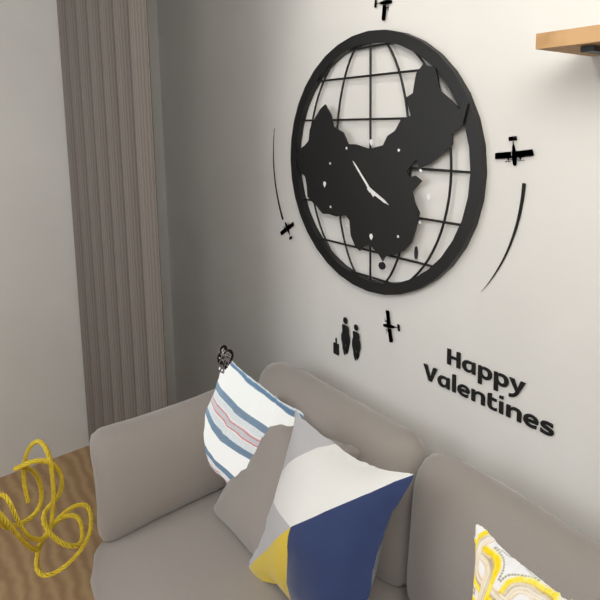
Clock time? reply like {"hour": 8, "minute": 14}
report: {"hour": 3, "minute": 53}
